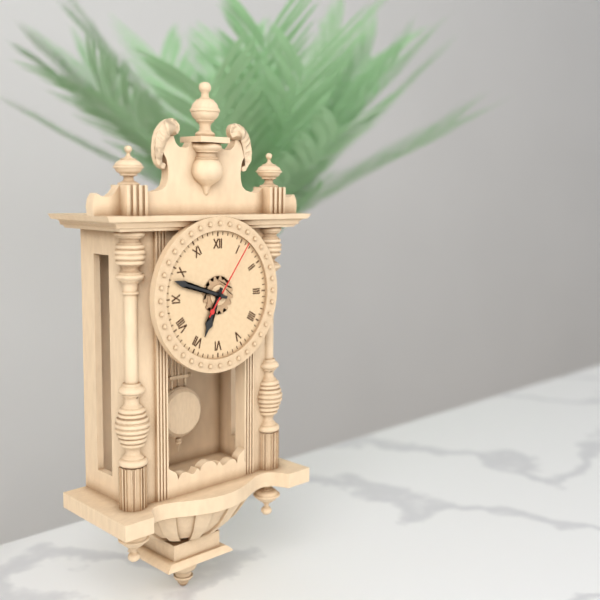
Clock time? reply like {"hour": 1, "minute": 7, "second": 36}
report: {"hour": 6, "minute": 48, "second": 6}
